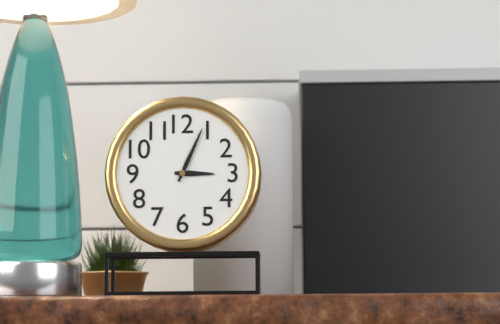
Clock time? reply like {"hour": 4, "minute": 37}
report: {"hour": 3, "minute": 4}
